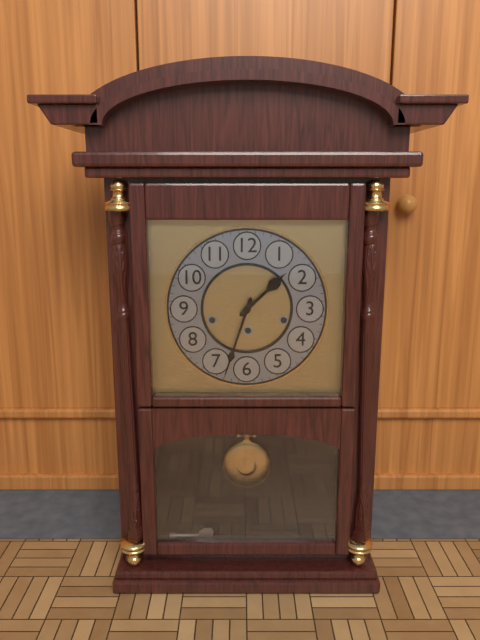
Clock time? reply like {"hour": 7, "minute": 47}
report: {"hour": 1, "minute": 33}
